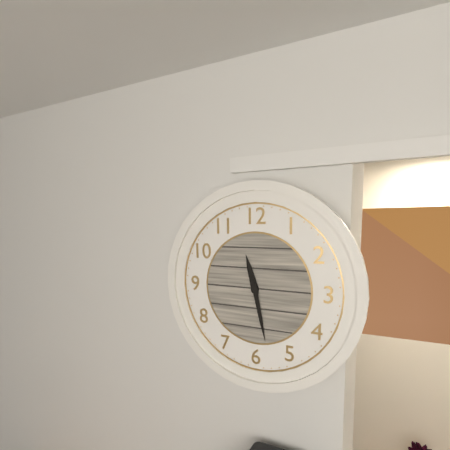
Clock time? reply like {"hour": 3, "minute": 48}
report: {"hour": 11, "minute": 28}
